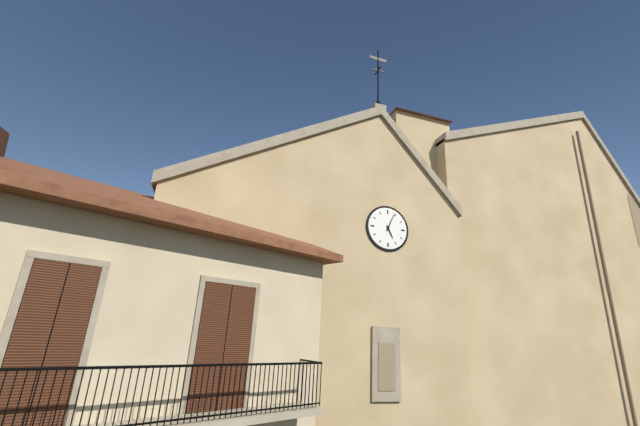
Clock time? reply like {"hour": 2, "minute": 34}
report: {"hour": 5, "minute": 4}
